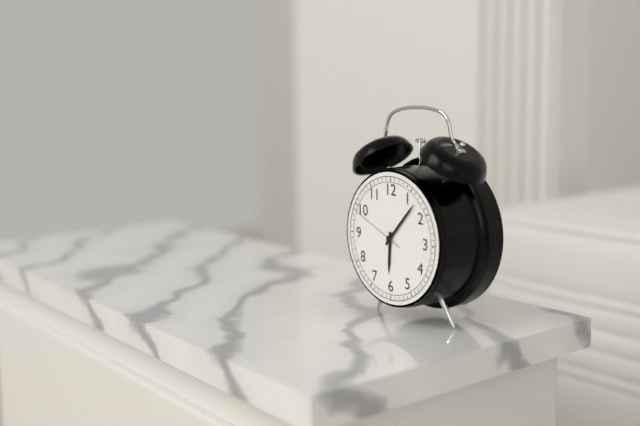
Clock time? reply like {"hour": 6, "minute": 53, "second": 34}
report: {"hour": 6, "minute": 7, "second": 49}
